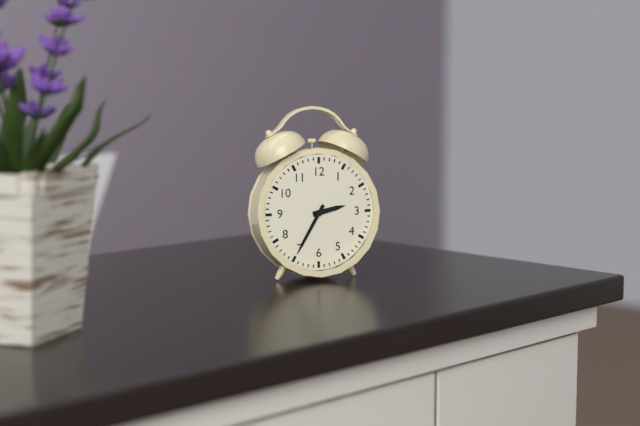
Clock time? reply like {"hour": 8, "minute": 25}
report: {"hour": 2, "minute": 35}
